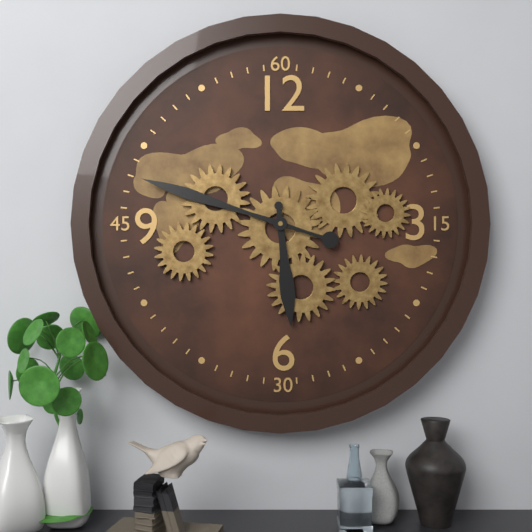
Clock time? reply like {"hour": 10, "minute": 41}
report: {"hour": 5, "minute": 48}
